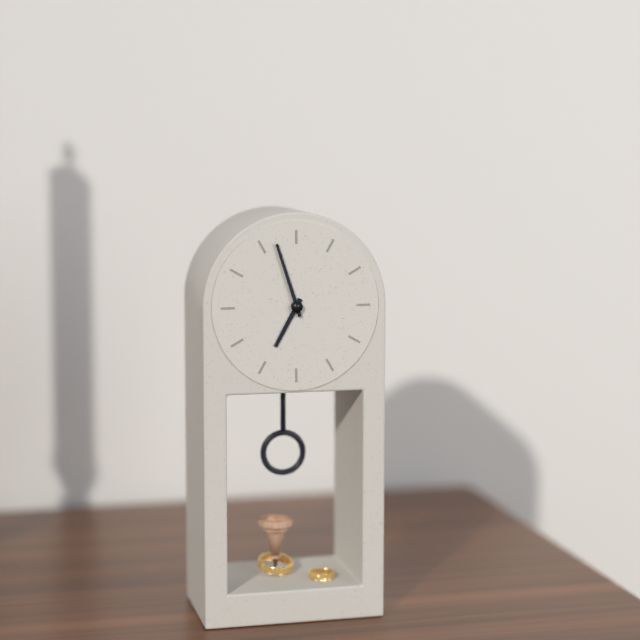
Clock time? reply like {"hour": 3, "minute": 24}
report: {"hour": 6, "minute": 57}
